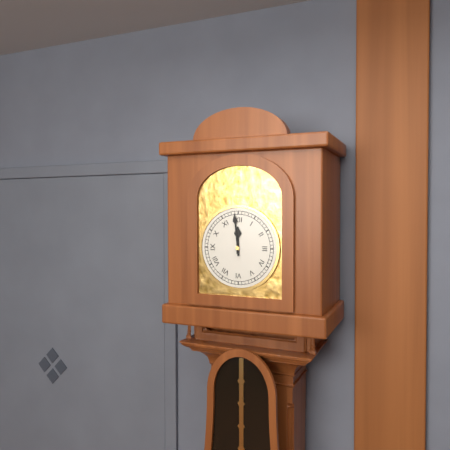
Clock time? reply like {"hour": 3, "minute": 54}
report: {"hour": 11, "minute": 59}
